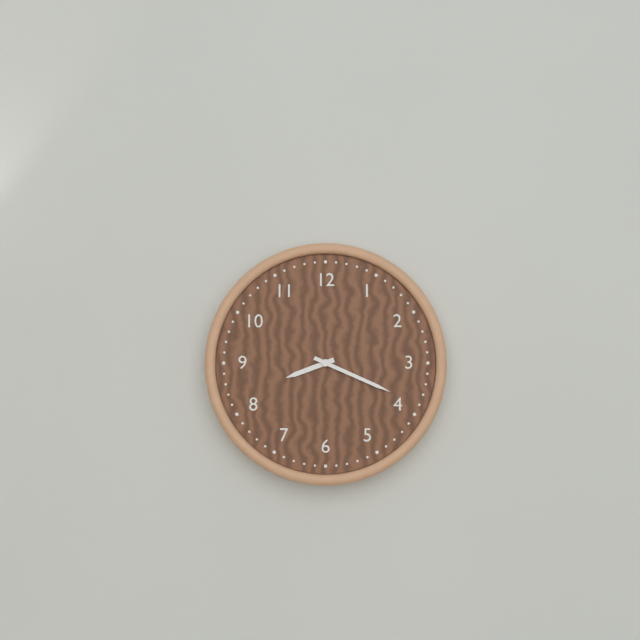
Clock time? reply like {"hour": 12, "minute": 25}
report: {"hour": 8, "minute": 19}
